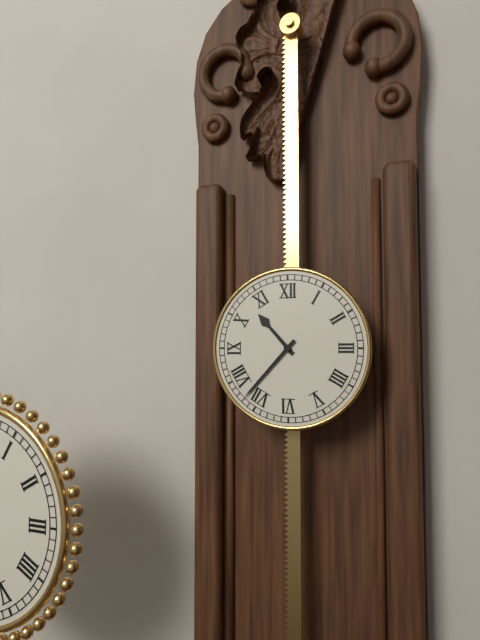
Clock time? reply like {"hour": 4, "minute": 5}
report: {"hour": 10, "minute": 37}
